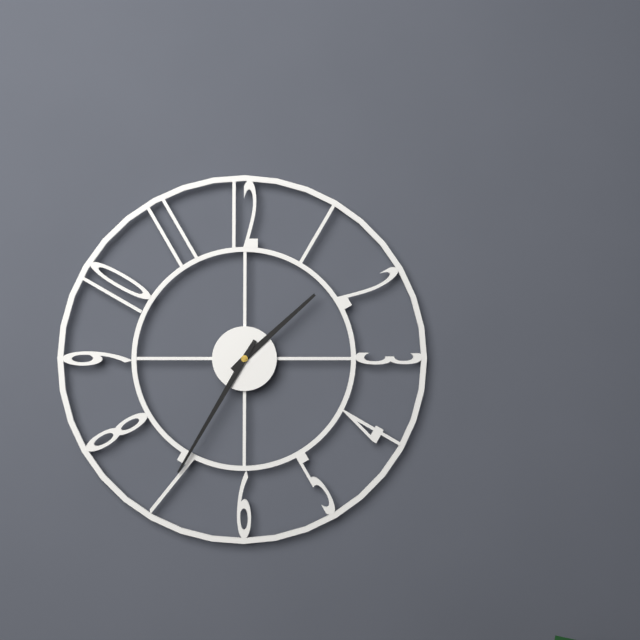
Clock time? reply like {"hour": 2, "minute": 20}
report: {"hour": 1, "minute": 35}
